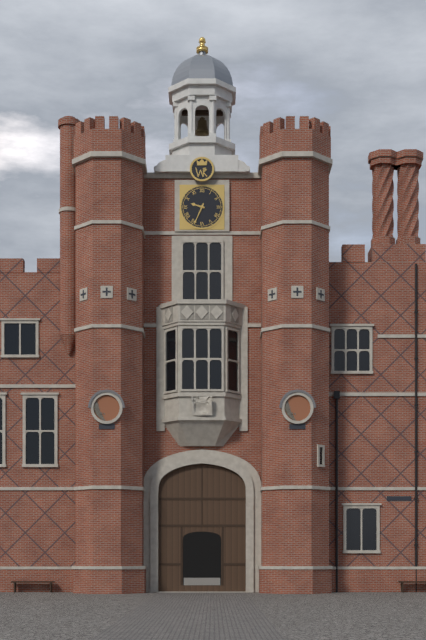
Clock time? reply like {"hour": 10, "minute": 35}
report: {"hour": 9, "minute": 34}
